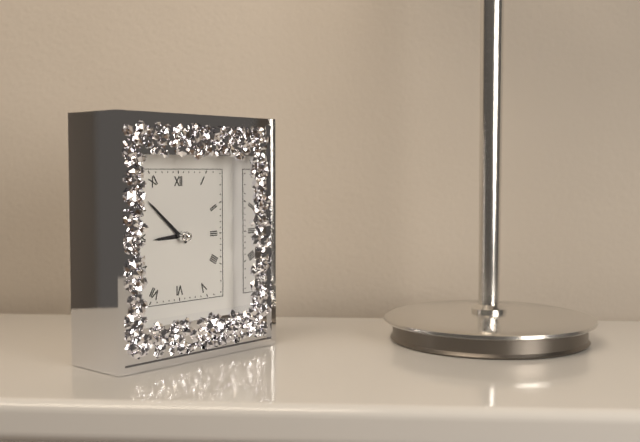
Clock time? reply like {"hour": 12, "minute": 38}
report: {"hour": 8, "minute": 52}
